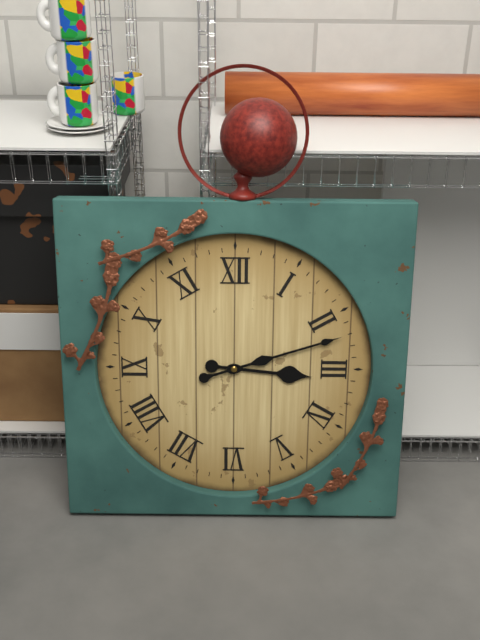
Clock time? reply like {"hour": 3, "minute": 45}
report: {"hour": 3, "minute": 12}
